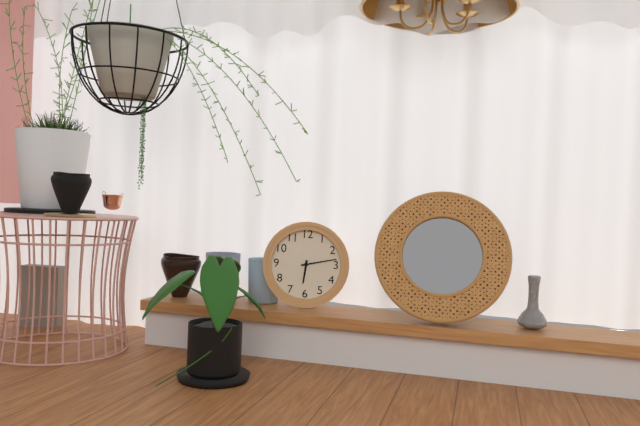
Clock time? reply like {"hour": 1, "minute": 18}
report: {"hour": 6, "minute": 13}
